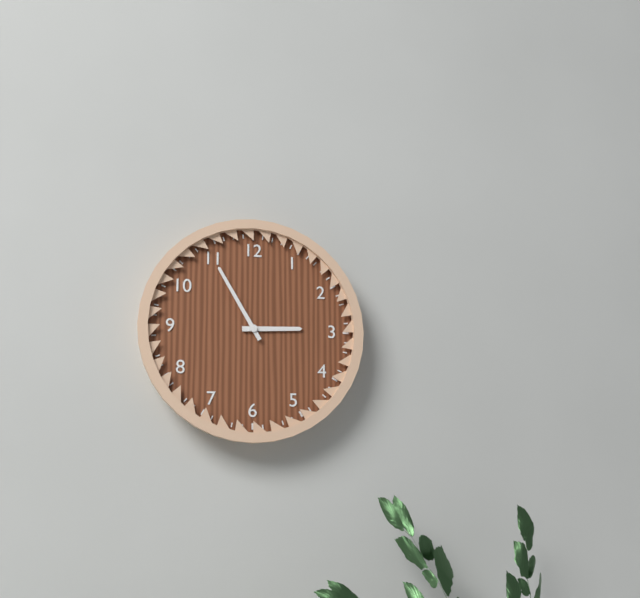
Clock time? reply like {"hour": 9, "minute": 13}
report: {"hour": 2, "minute": 55}
